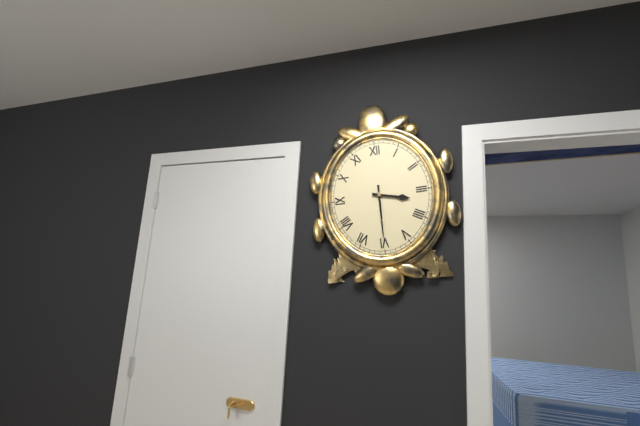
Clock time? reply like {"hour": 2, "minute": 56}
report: {"hour": 3, "minute": 30}
